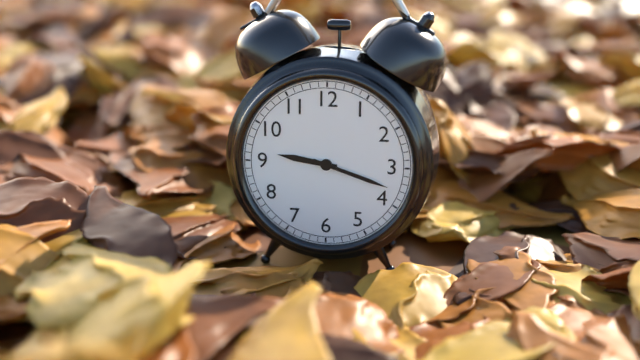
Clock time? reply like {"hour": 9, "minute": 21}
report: {"hour": 9, "minute": 18}
